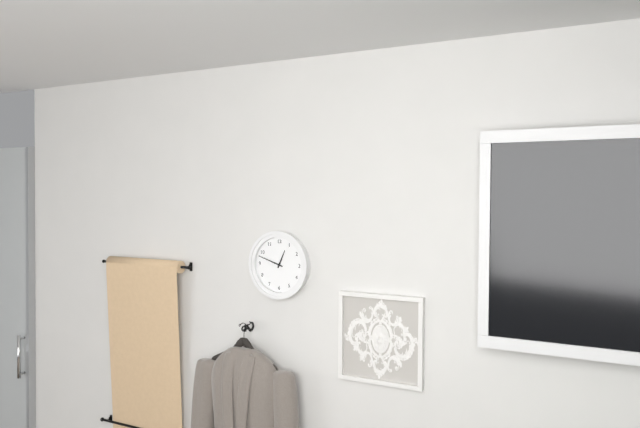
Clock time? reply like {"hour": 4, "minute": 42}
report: {"hour": 12, "minute": 48}
